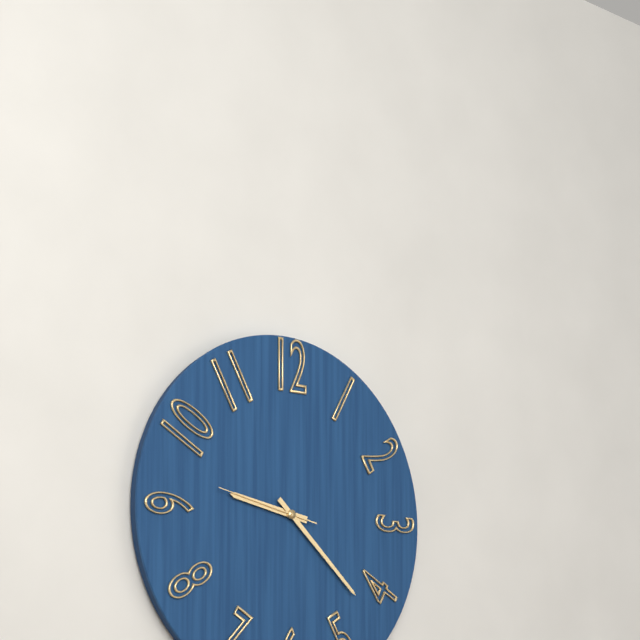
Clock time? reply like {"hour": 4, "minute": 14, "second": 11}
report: {"hour": 9, "minute": 22, "second": 47}
